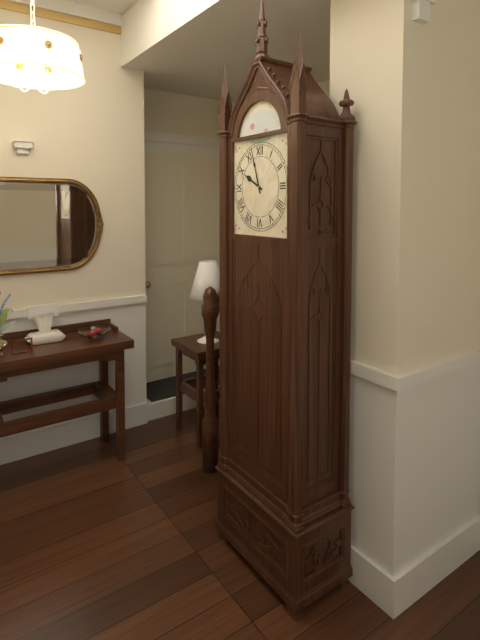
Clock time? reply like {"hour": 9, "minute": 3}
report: {"hour": 9, "minute": 57}
